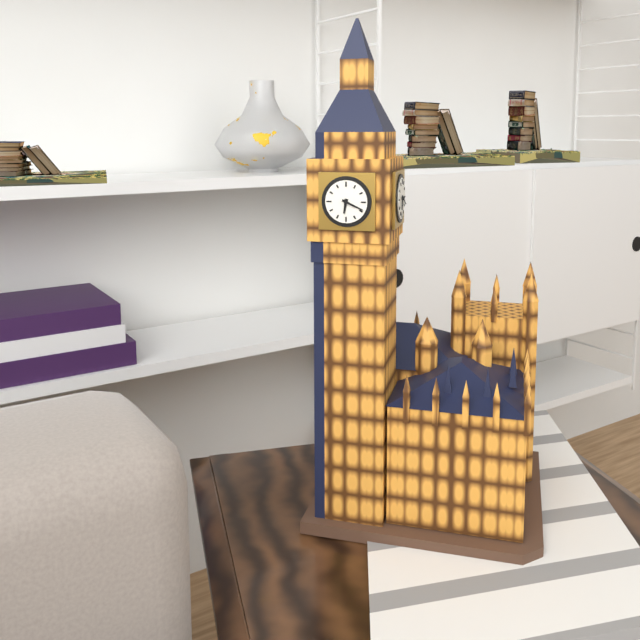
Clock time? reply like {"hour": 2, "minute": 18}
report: {"hour": 6, "minute": 19}
